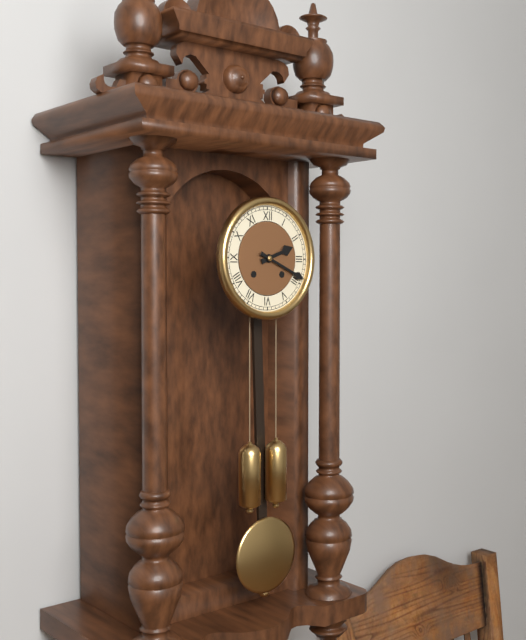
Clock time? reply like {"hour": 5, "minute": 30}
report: {"hour": 2, "minute": 19}
